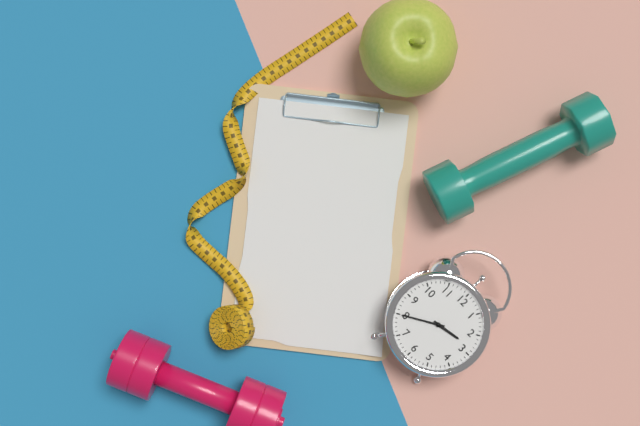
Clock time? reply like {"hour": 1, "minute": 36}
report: {"hour": 2, "minute": 40}
